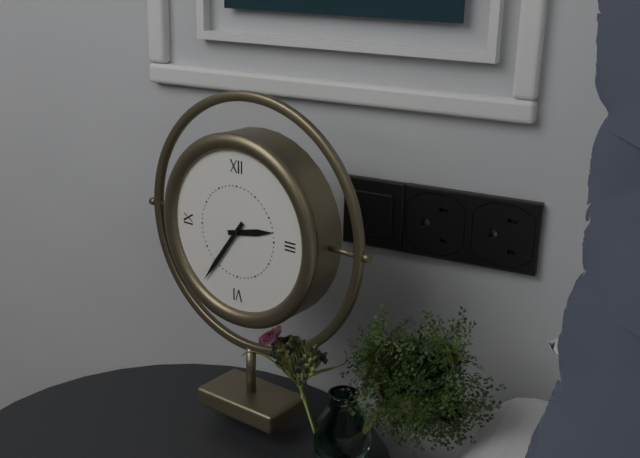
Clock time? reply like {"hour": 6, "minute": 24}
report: {"hour": 2, "minute": 36}
